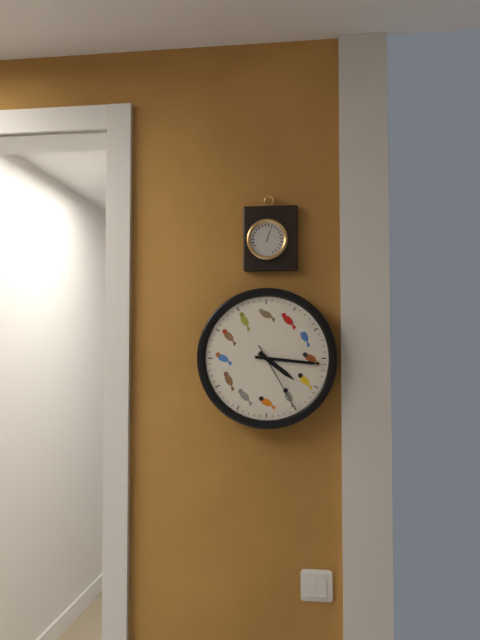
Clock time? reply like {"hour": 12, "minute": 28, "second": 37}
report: {"hour": 4, "minute": 16, "second": 25}
